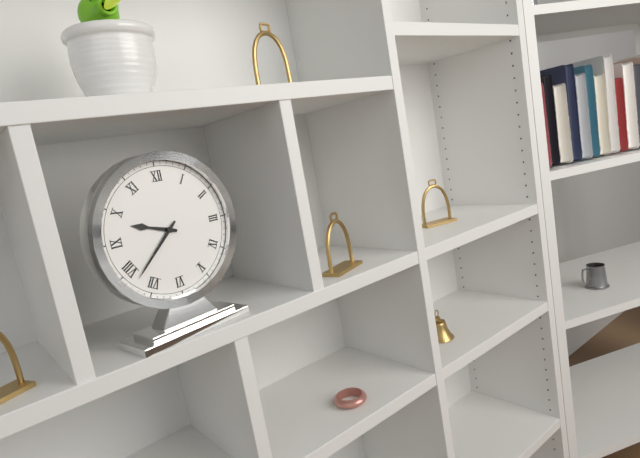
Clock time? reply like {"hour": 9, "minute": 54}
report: {"hour": 9, "minute": 38}
